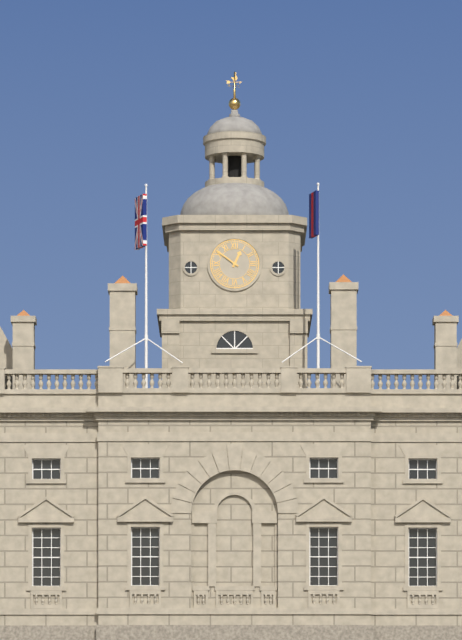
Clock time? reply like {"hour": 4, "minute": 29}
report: {"hour": 12, "minute": 51}
